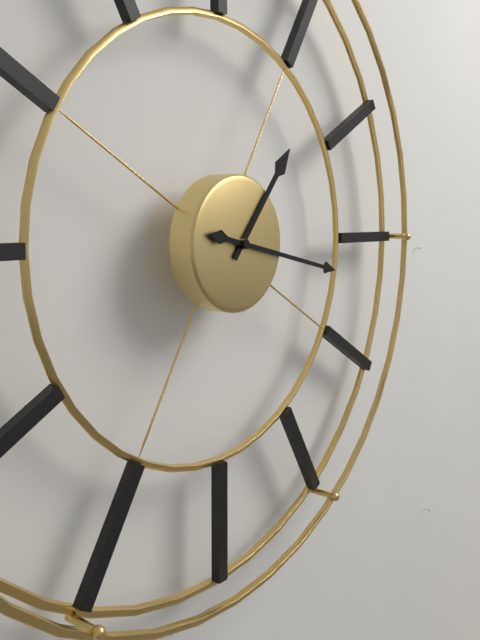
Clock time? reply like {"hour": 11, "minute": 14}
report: {"hour": 1, "minute": 17}
